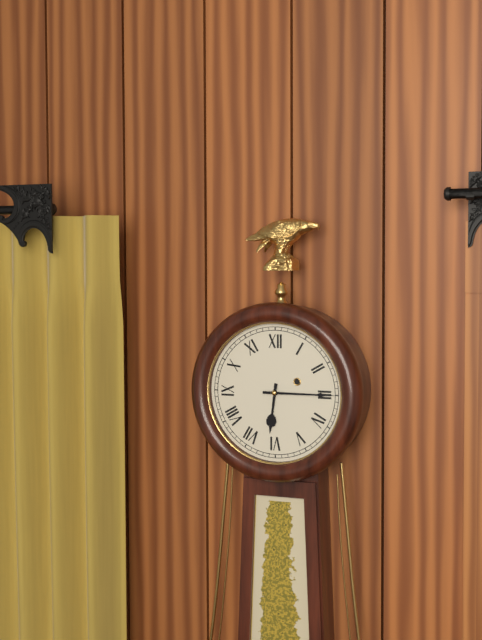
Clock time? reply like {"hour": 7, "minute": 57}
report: {"hour": 6, "minute": 15}
